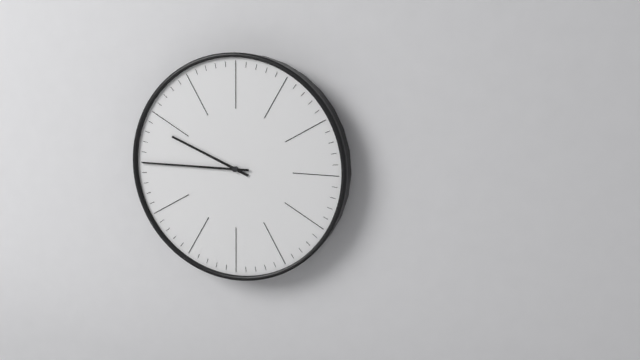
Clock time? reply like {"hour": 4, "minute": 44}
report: {"hour": 9, "minute": 45}
